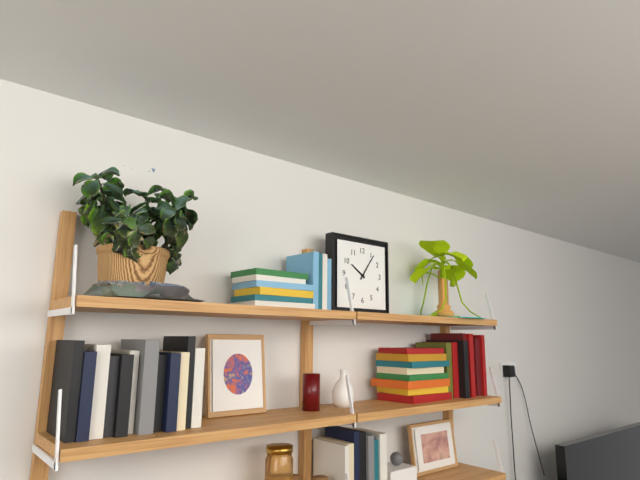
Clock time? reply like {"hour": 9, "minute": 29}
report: {"hour": 10, "minute": 6}
